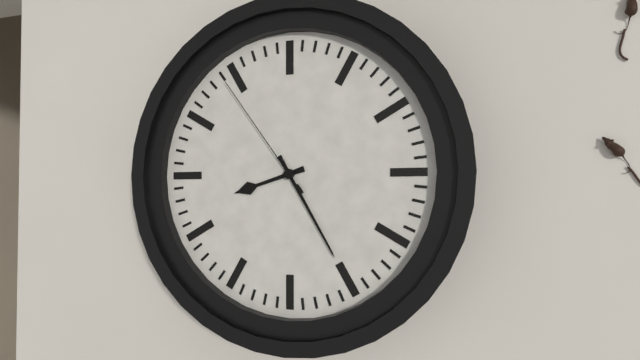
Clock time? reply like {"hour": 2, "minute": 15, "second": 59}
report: {"hour": 8, "minute": 25, "second": 54}
